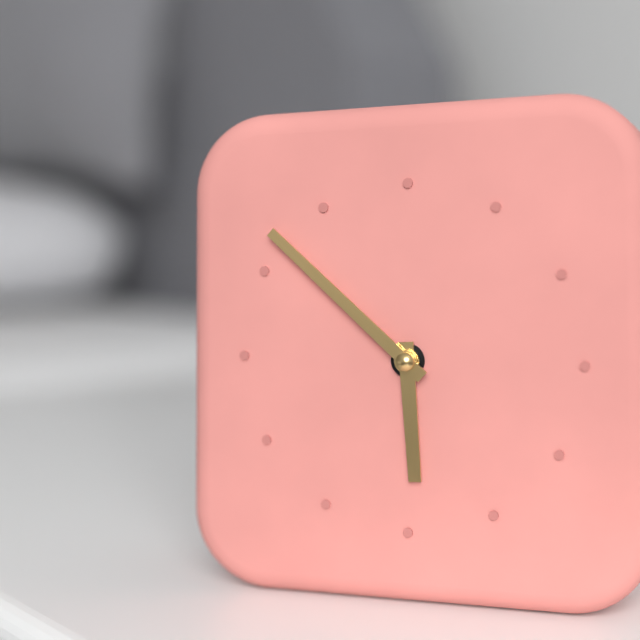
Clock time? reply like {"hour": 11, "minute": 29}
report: {"hour": 5, "minute": 52}
